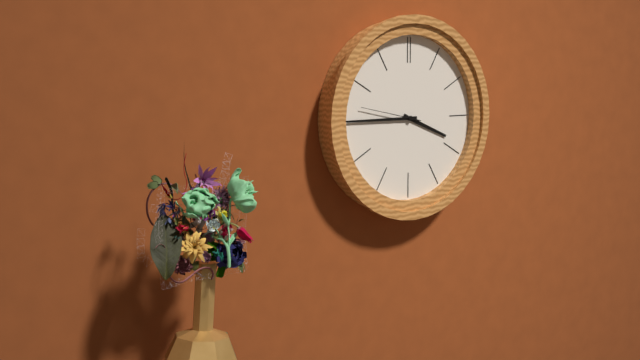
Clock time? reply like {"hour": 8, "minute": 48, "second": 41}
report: {"hour": 3, "minute": 45, "second": 47}
